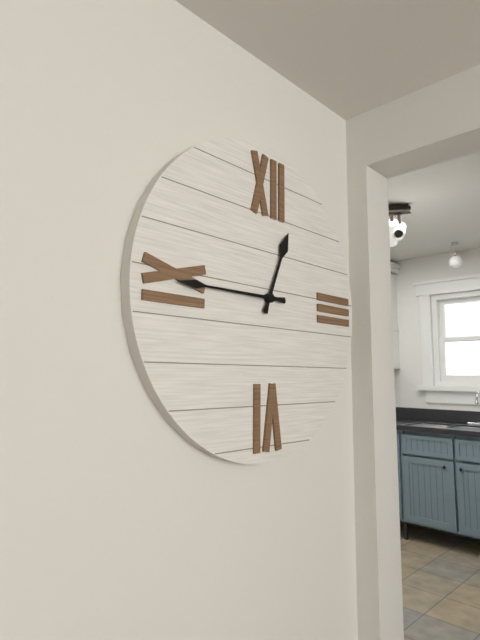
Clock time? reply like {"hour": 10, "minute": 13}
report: {"hour": 12, "minute": 45}
